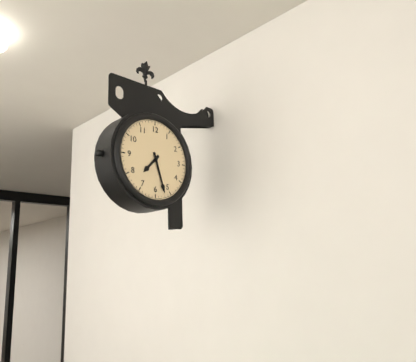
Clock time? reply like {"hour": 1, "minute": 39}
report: {"hour": 7, "minute": 27}
